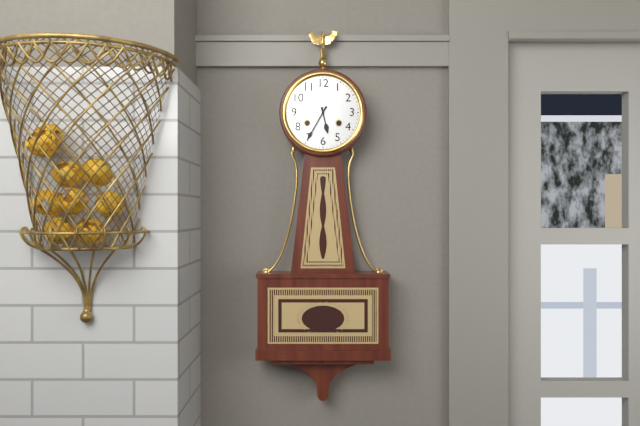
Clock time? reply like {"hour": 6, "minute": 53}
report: {"hour": 5, "minute": 35}
